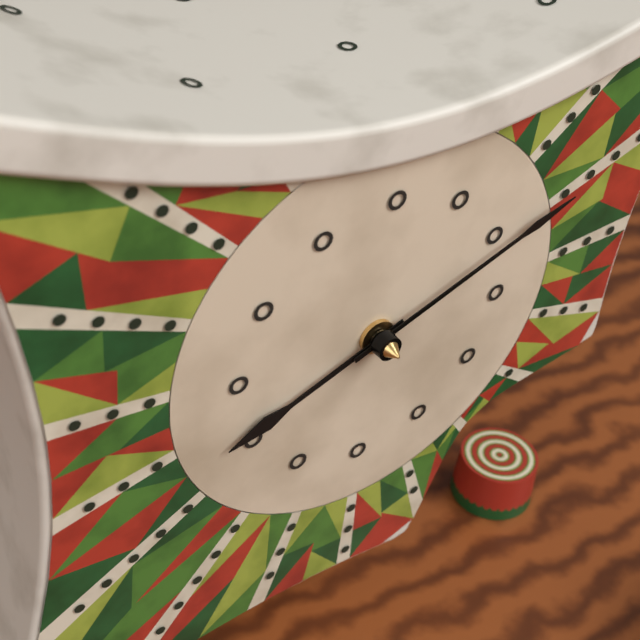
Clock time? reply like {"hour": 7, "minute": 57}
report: {"hour": 8, "minute": 11}
